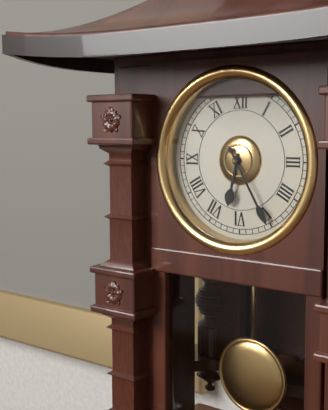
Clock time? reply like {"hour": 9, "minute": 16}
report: {"hour": 6, "minute": 25}
